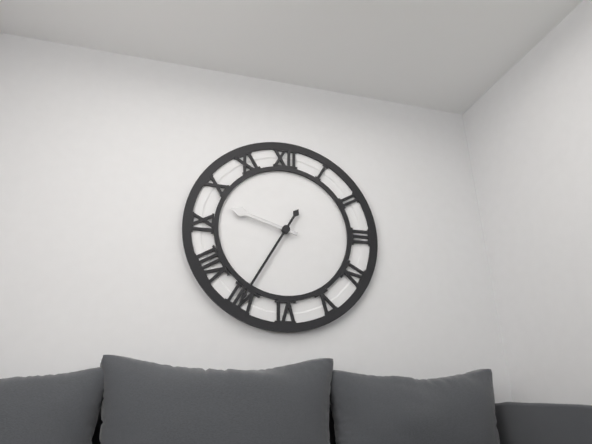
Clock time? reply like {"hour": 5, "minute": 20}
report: {"hour": 9, "minute": 35}
